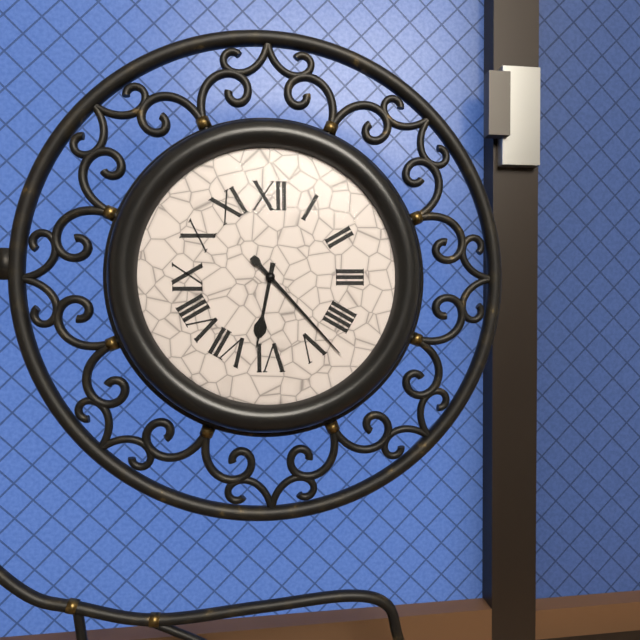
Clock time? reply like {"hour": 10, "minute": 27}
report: {"hour": 6, "minute": 23}
